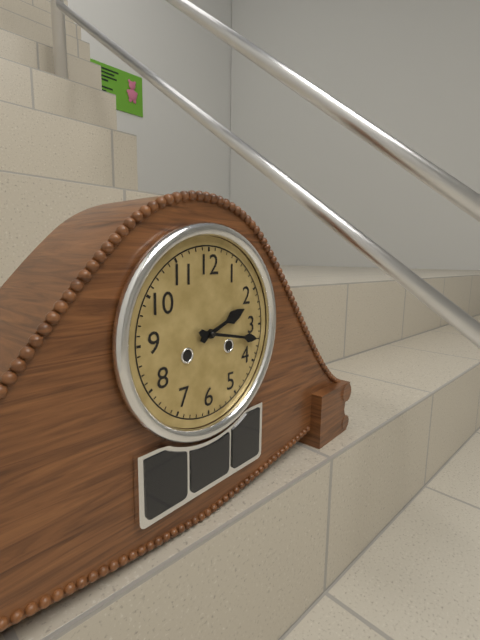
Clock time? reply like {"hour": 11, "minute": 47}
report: {"hour": 2, "minute": 17}
